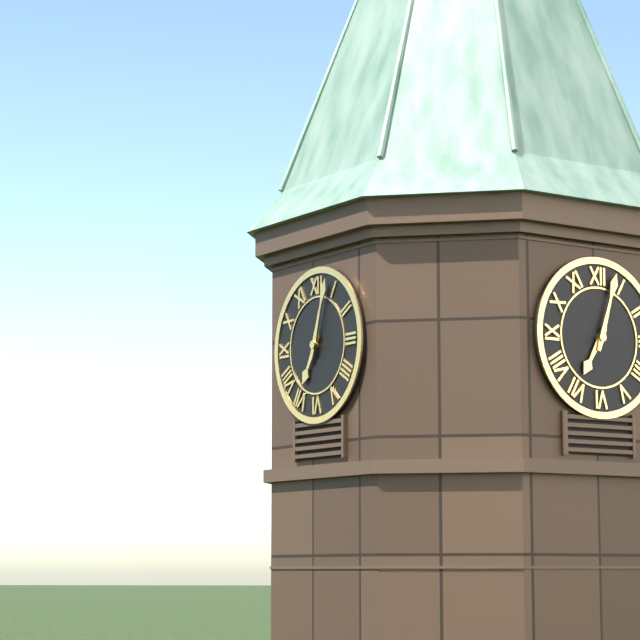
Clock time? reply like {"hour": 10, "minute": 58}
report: {"hour": 7, "minute": 3}
